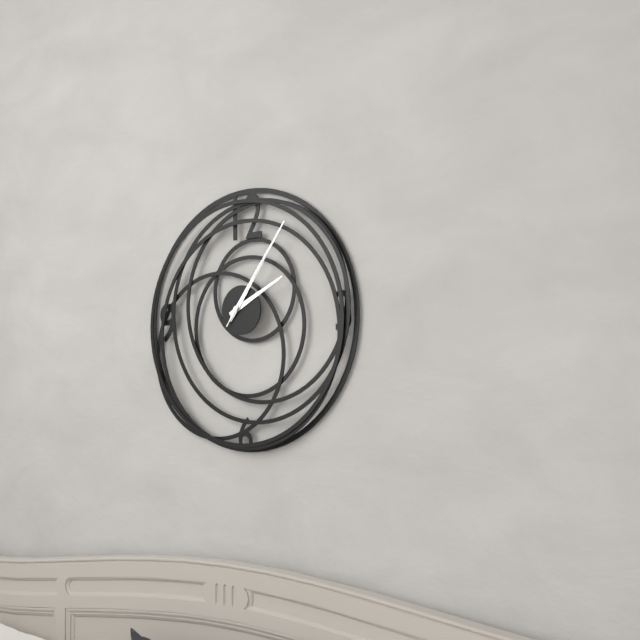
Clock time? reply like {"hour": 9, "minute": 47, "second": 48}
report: {"hour": 2, "minute": 6, "second": 6}
